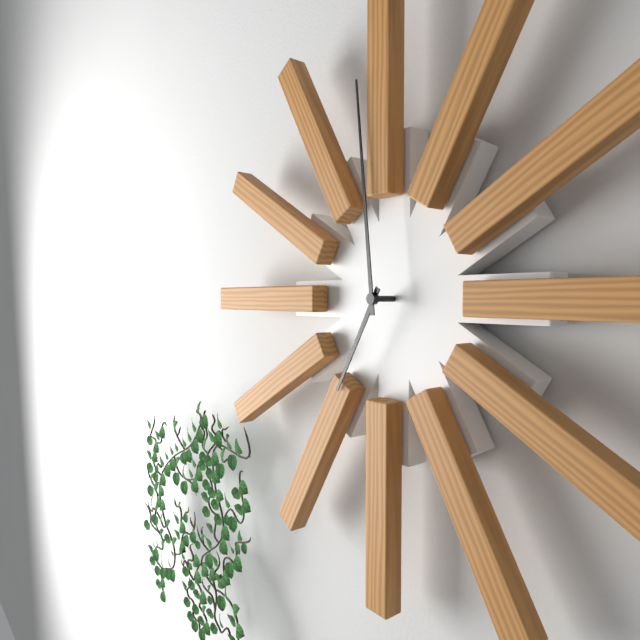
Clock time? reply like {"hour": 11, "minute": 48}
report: {"hour": 6, "minute": 59}
